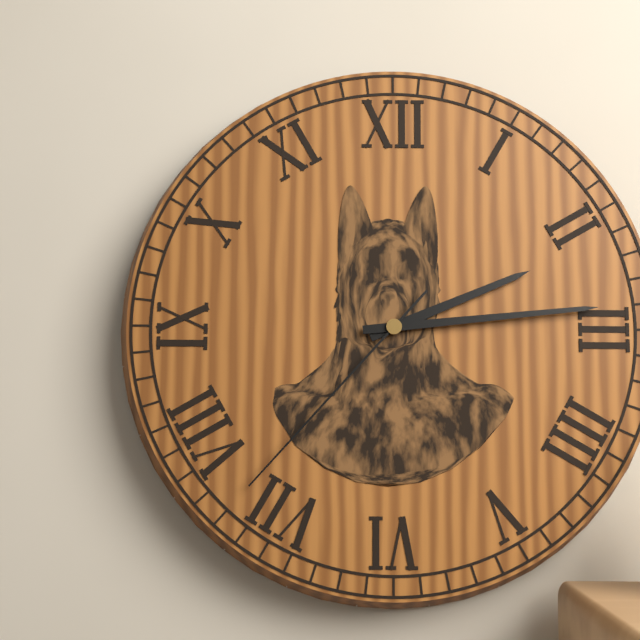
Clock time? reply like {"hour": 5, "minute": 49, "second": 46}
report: {"hour": 2, "minute": 14, "second": 37}
